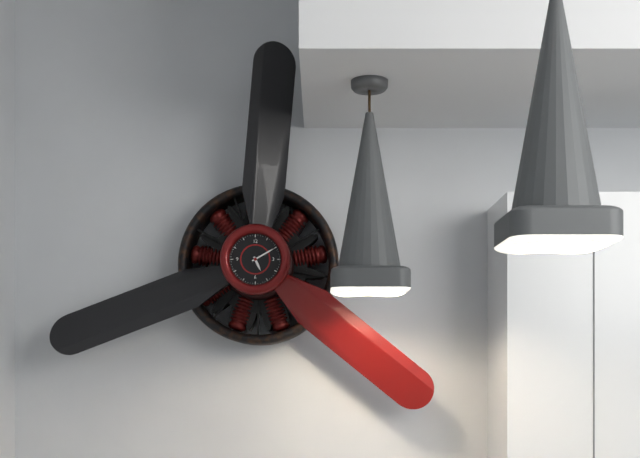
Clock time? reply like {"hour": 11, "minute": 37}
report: {"hour": 5, "minute": 10}
